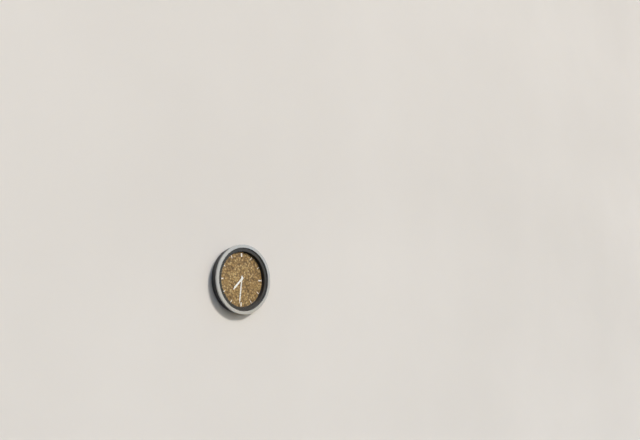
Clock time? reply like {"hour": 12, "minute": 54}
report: {"hour": 7, "minute": 31}
